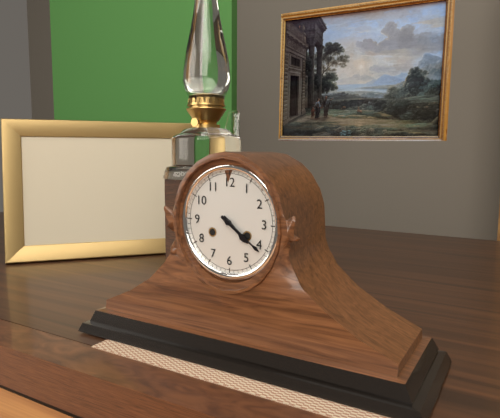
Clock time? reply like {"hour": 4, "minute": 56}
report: {"hour": 4, "minute": 21}
